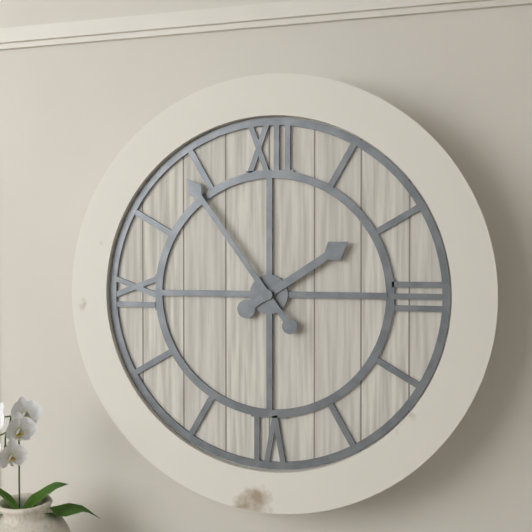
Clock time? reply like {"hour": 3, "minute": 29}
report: {"hour": 1, "minute": 54}
